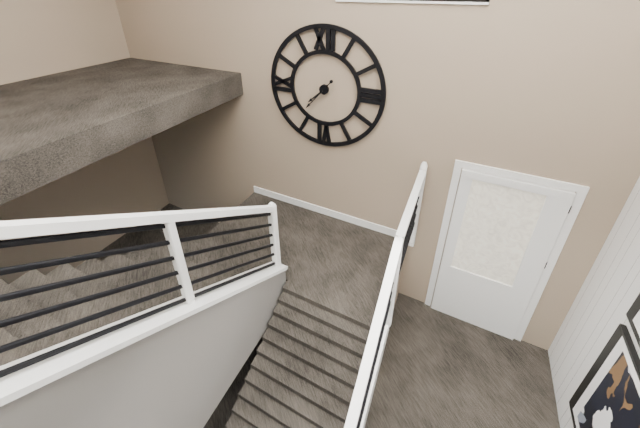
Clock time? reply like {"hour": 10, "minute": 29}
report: {"hour": 7, "minute": 37}
